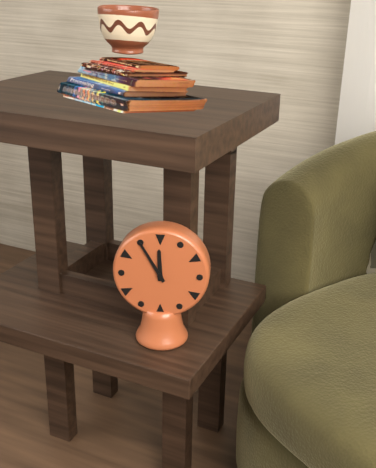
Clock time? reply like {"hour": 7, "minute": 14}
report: {"hour": 11, "minute": 55}
